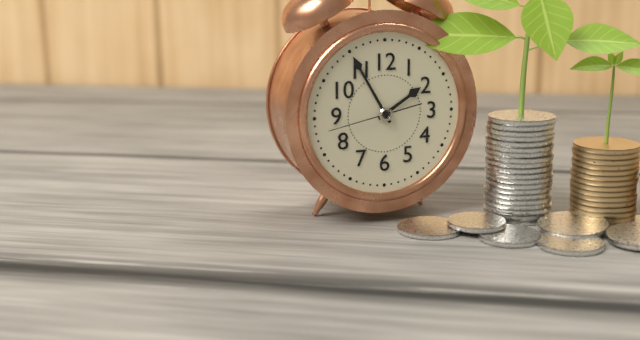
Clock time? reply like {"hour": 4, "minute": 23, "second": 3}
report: {"hour": 1, "minute": 55, "second": 43}
